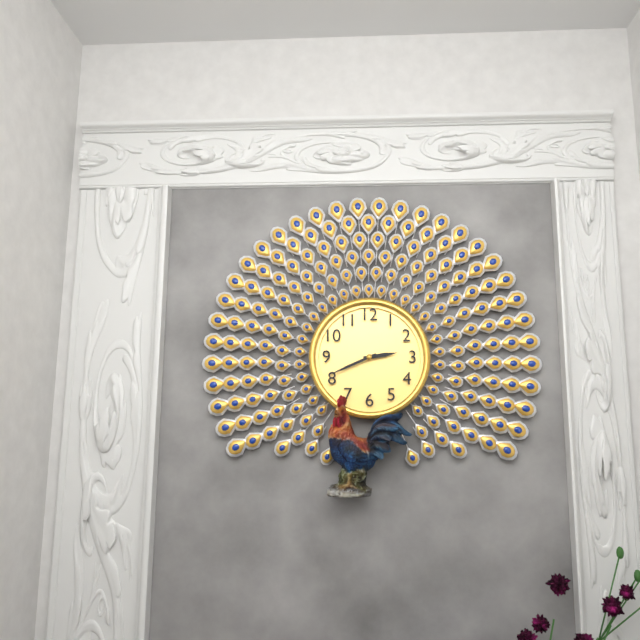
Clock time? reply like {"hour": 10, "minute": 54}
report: {"hour": 2, "minute": 41}
